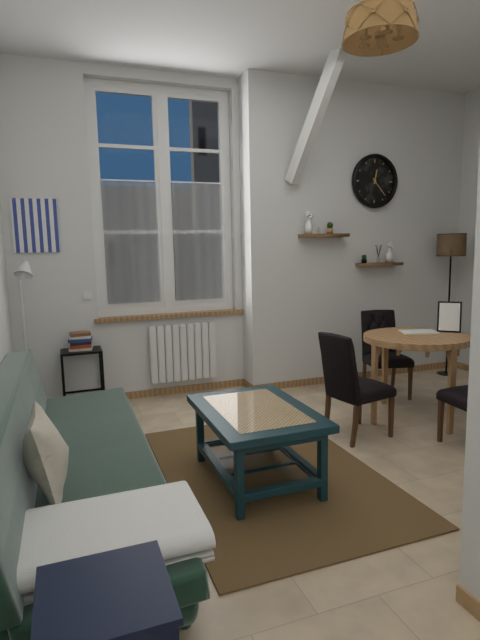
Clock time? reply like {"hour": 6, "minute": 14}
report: {"hour": 12, "minute": 23}
